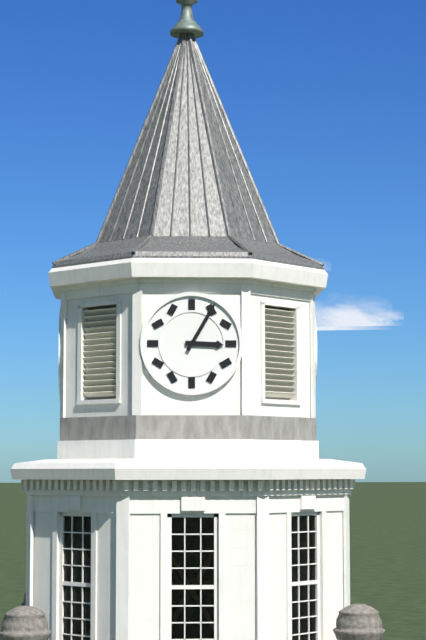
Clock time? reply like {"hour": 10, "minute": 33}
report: {"hour": 3, "minute": 5}
